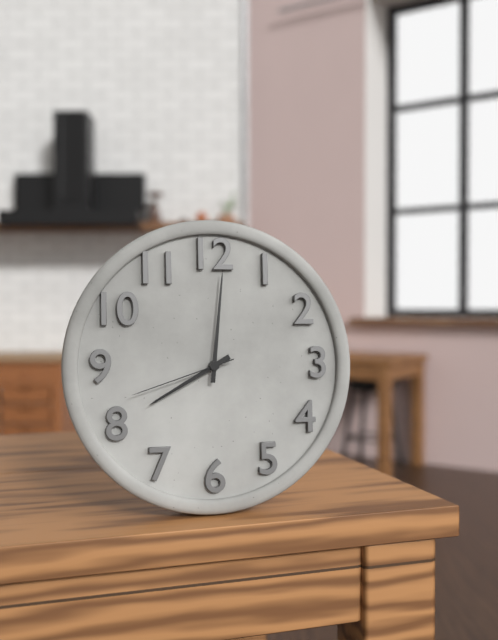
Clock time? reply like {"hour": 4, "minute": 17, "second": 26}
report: {"hour": 8, "minute": 1, "second": 42}
